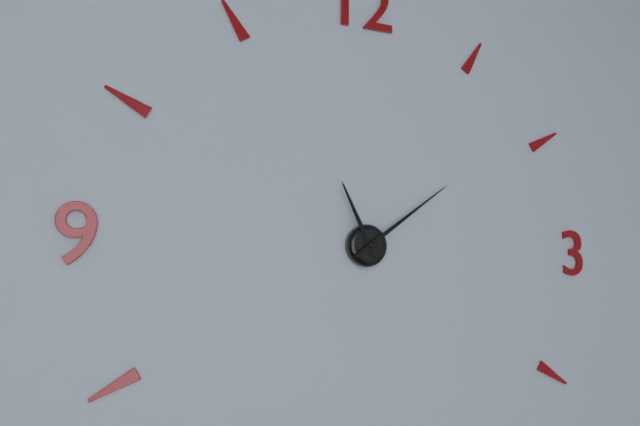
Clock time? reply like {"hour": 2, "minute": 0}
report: {"hour": 11, "minute": 9}
